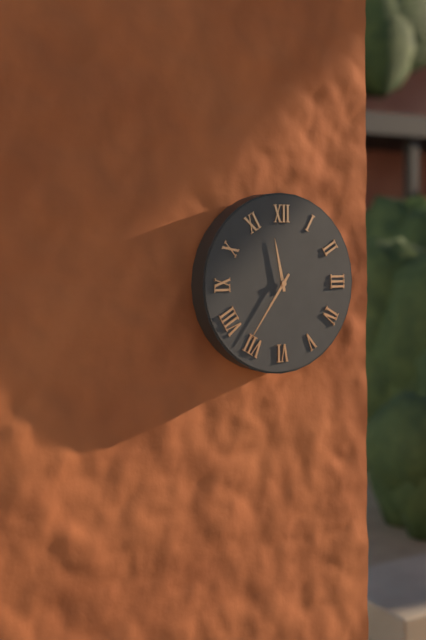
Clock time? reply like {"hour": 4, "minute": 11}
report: {"hour": 11, "minute": 36}
